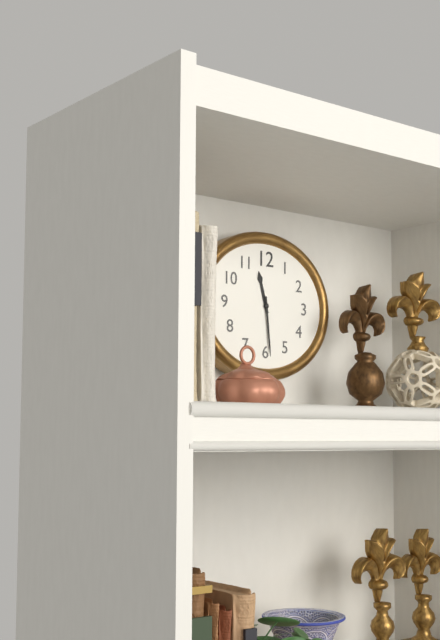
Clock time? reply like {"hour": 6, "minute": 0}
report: {"hour": 11, "minute": 29}
